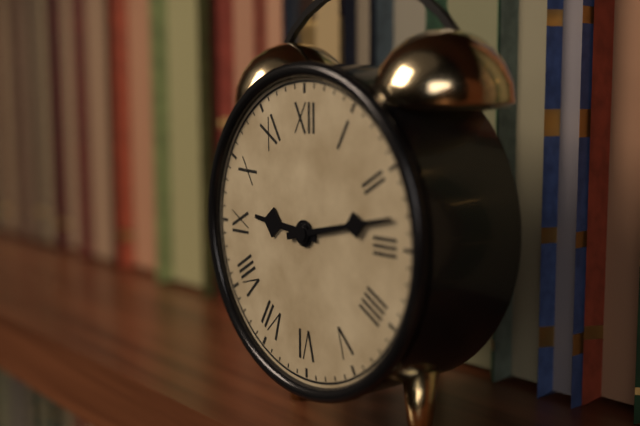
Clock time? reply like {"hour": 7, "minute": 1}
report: {"hour": 9, "minute": 13}
